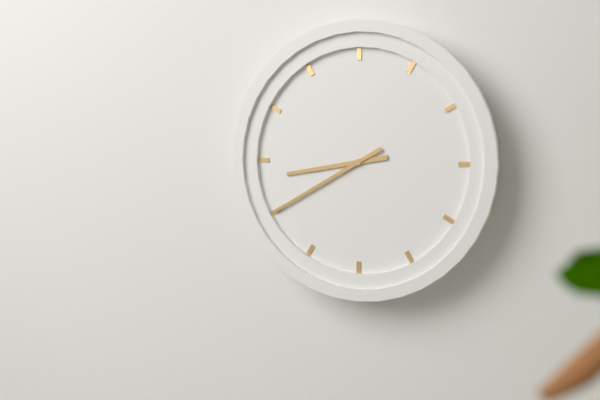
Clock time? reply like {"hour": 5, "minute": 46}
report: {"hour": 8, "minute": 40}
